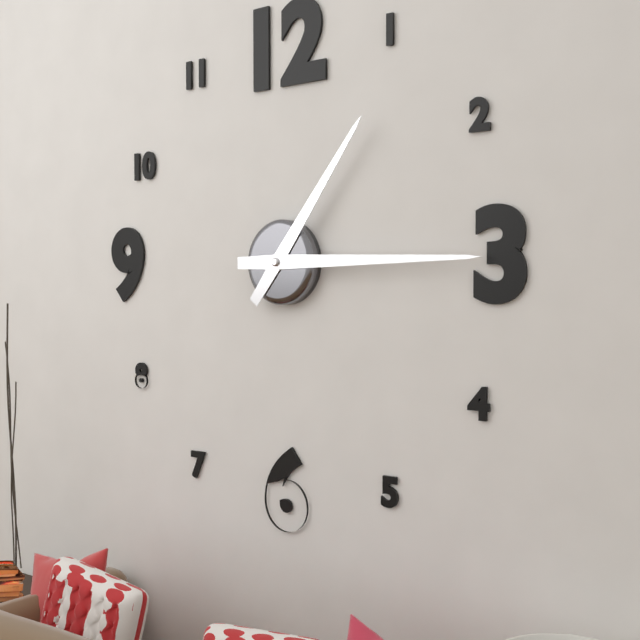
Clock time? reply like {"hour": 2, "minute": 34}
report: {"hour": 1, "minute": 15}
